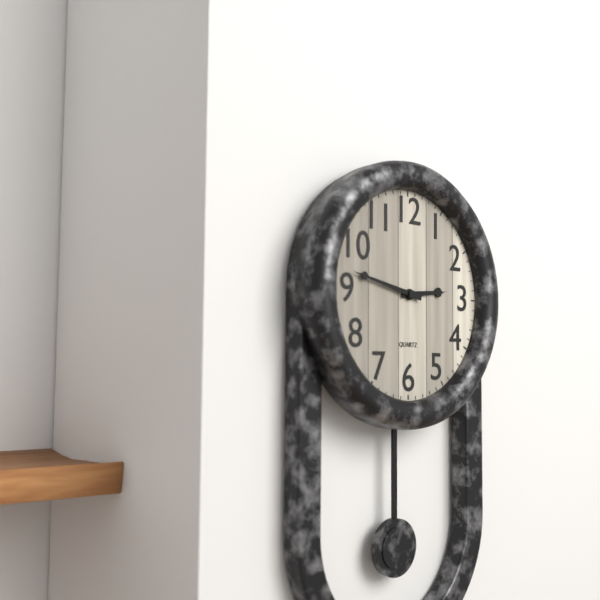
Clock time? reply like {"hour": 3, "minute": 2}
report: {"hour": 2, "minute": 47}
